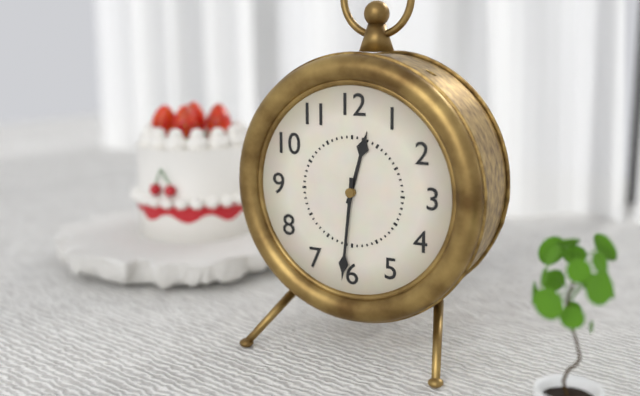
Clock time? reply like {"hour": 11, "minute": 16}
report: {"hour": 12, "minute": 31}
